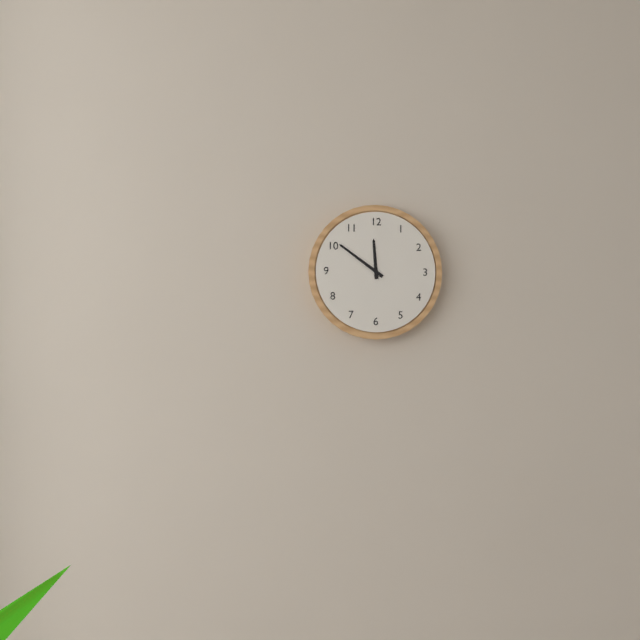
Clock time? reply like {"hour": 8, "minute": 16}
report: {"hour": 11, "minute": 51}
